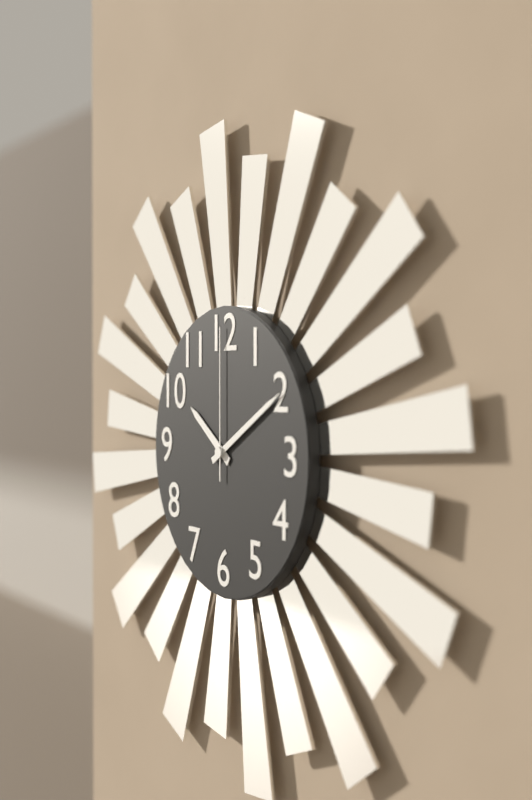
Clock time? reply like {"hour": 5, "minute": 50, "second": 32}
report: {"hour": 10, "minute": 10, "second": 0}
